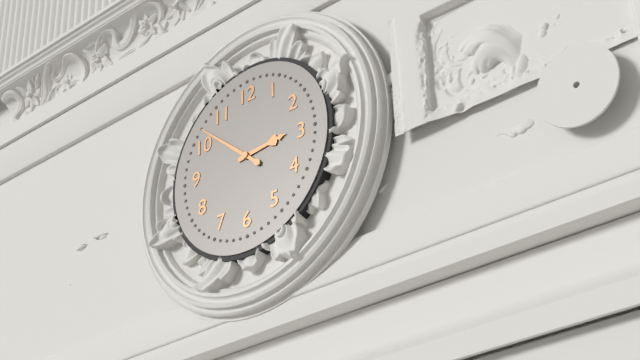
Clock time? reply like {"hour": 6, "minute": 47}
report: {"hour": 2, "minute": 52}
